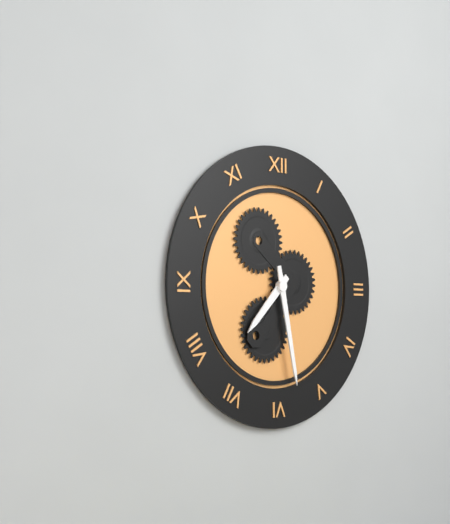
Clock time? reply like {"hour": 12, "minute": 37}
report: {"hour": 7, "minute": 28}
